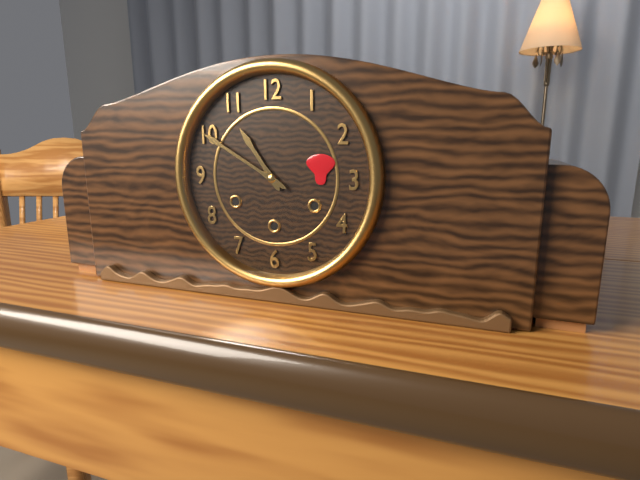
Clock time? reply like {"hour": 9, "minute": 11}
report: {"hour": 10, "minute": 50}
